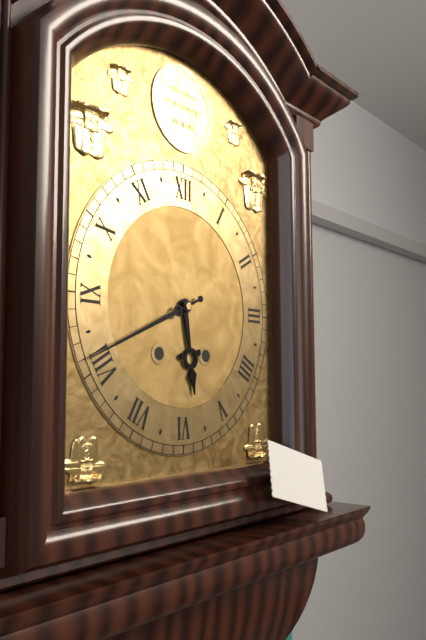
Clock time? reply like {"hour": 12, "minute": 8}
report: {"hour": 5, "minute": 41}
